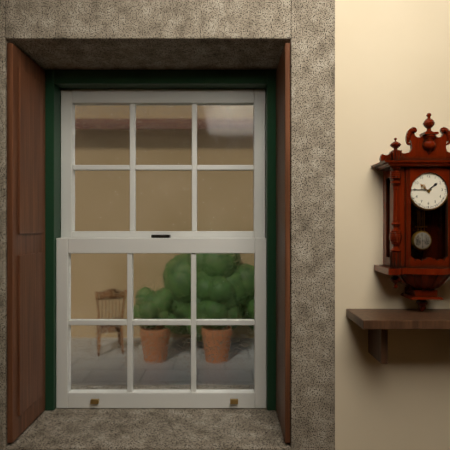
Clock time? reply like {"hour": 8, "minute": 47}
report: {"hour": 1, "minute": 45}
